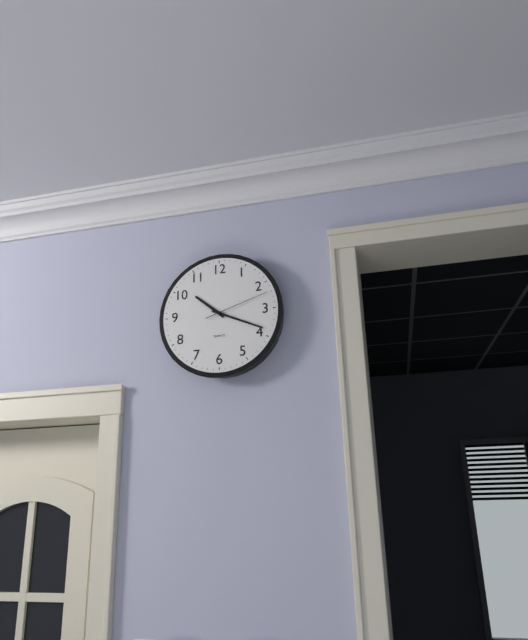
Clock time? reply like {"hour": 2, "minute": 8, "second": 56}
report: {"hour": 10, "minute": 19, "second": 12}
